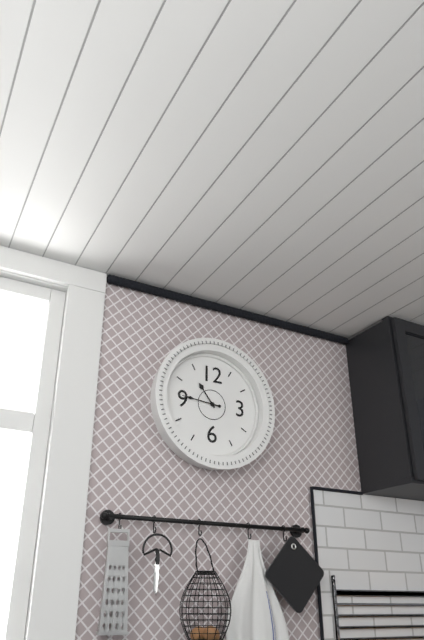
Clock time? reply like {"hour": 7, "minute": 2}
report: {"hour": 10, "minute": 46}
